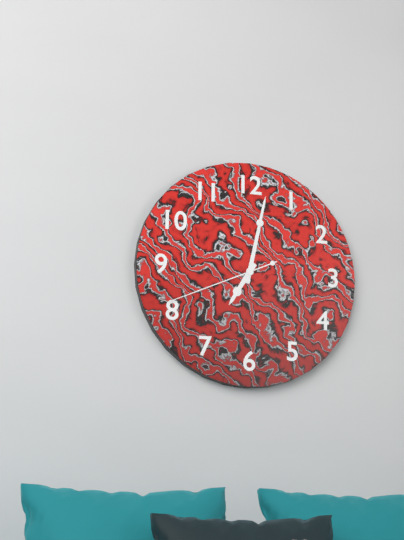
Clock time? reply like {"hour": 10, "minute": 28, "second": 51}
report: {"hour": 7, "minute": 2, "second": 41}
